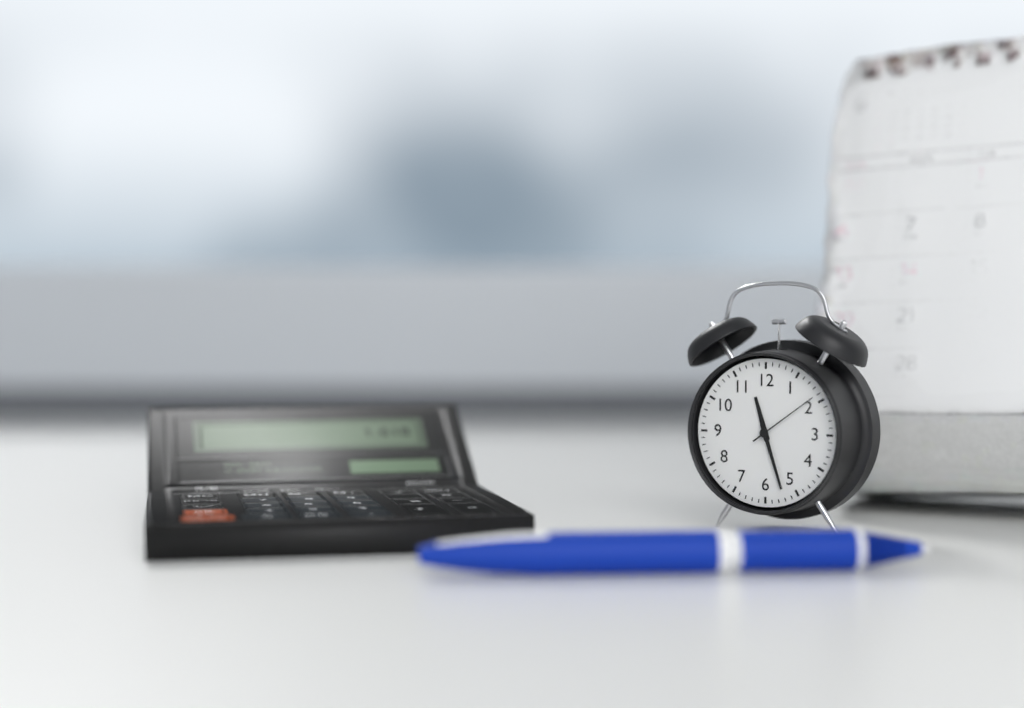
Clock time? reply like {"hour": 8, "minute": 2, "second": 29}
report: {"hour": 11, "minute": 27, "second": 9}
